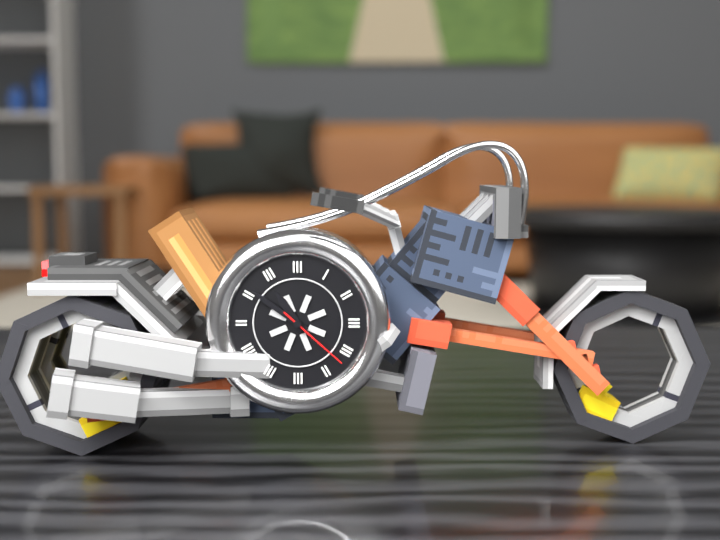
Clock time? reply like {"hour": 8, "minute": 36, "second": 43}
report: {"hour": 10, "minute": 51, "second": 22}
